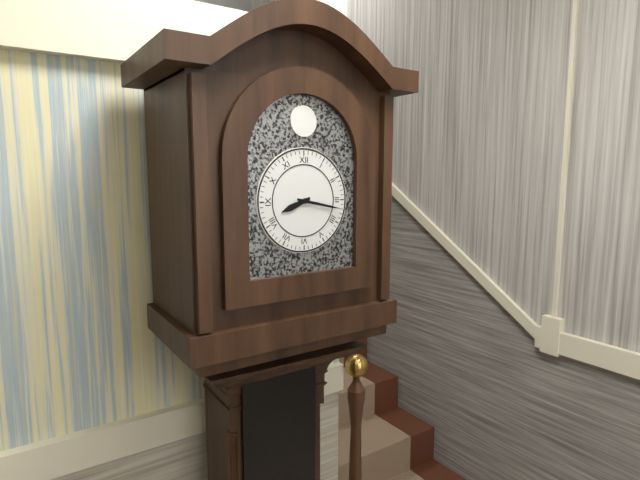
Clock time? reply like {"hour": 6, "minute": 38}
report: {"hour": 8, "minute": 17}
